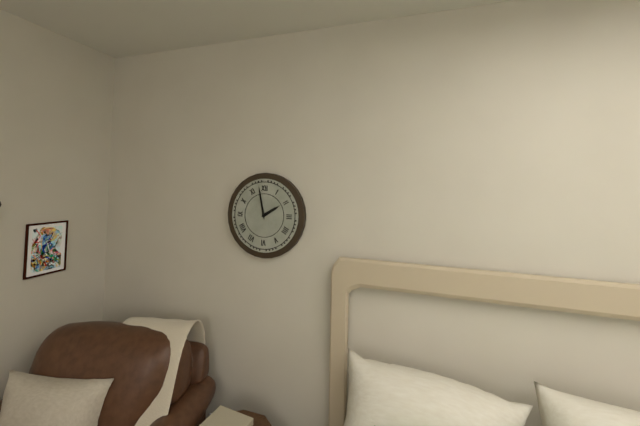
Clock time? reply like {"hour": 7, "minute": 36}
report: {"hour": 1, "minute": 58}
